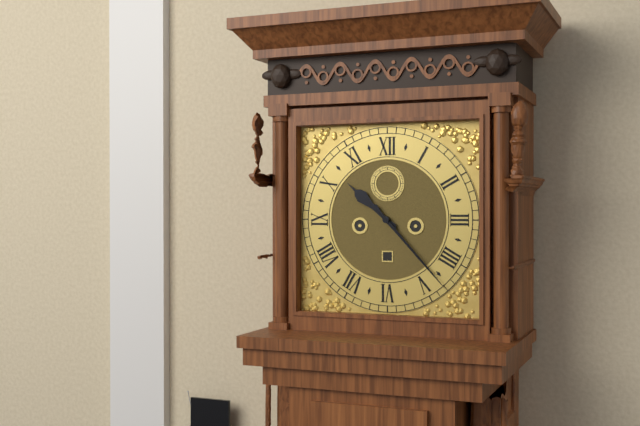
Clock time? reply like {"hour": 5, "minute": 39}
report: {"hour": 10, "minute": 23}
